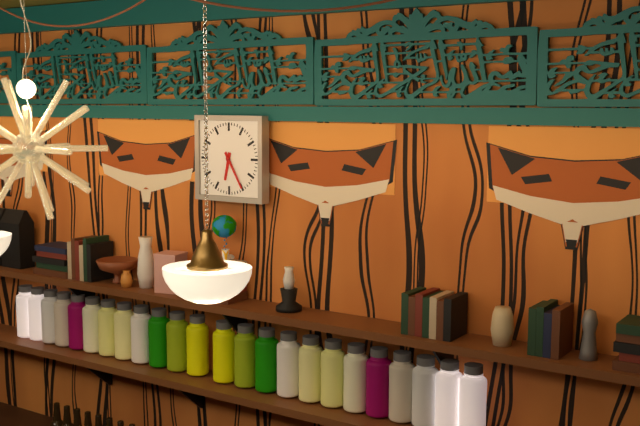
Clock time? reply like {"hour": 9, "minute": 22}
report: {"hour": 6, "minute": 25}
